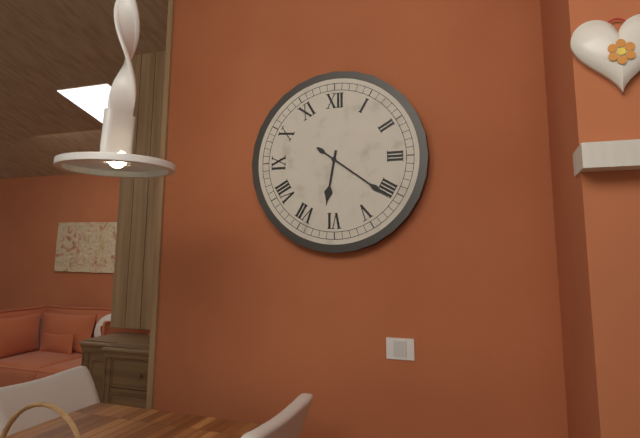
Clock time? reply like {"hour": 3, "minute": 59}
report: {"hour": 6, "minute": 21}
